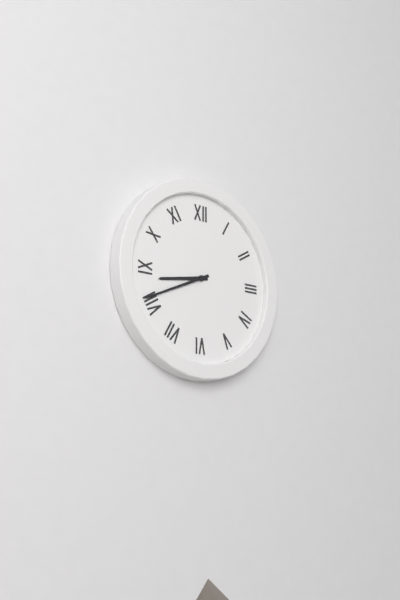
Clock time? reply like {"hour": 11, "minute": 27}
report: {"hour": 8, "minute": 41}
